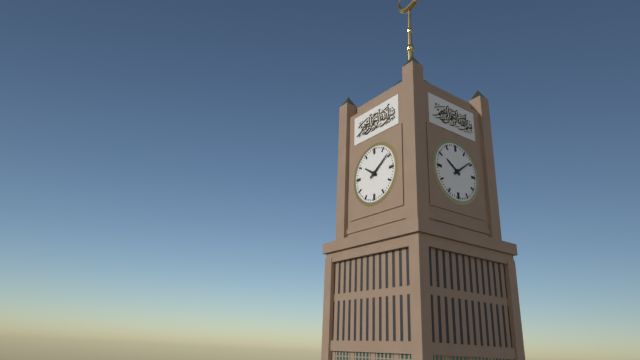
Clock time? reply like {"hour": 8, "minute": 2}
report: {"hour": 10, "minute": 9}
